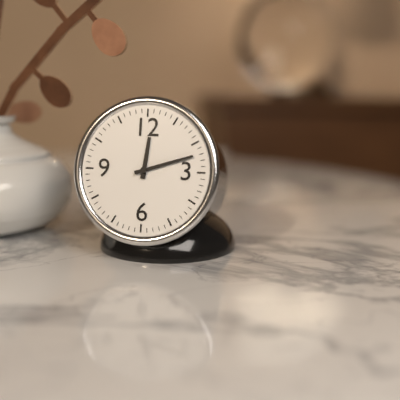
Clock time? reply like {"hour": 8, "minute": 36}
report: {"hour": 12, "minute": 12}
